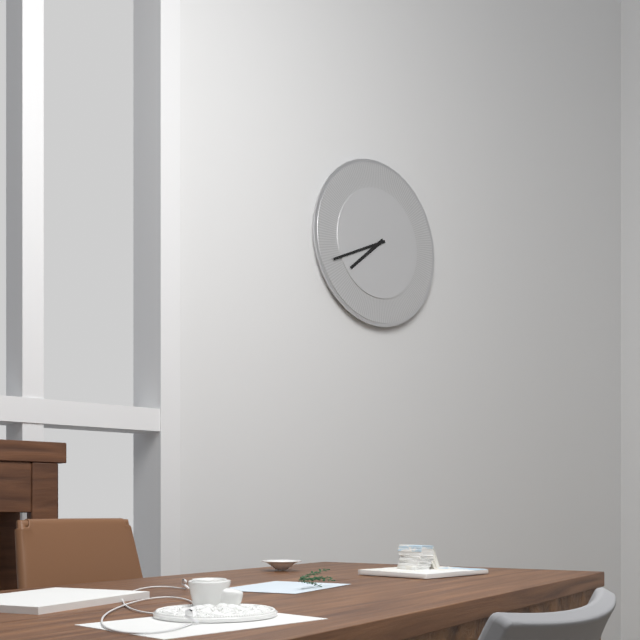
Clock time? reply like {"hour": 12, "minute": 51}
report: {"hour": 7, "minute": 41}
